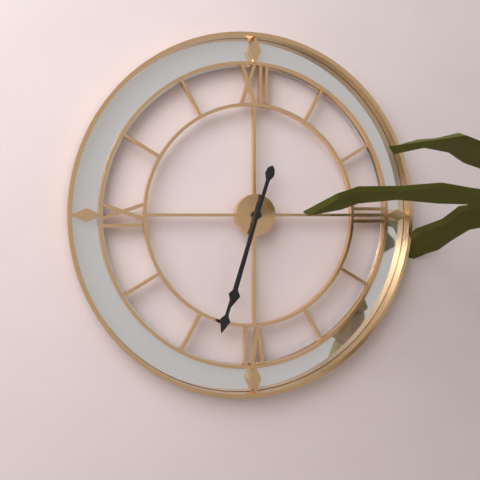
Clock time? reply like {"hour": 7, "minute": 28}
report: {"hour": 6, "minute": 33}
